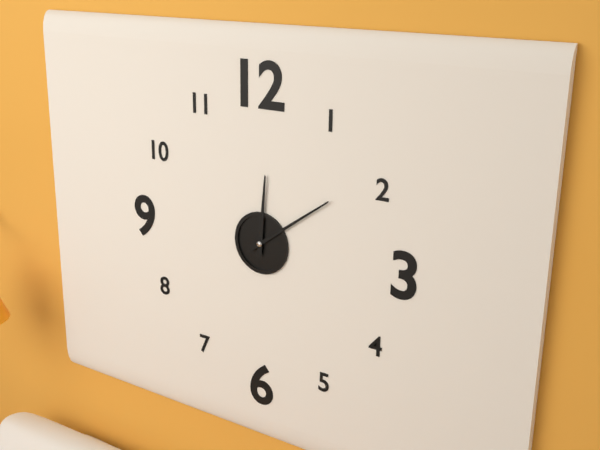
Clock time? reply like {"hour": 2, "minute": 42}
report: {"hour": 12, "minute": 9}
